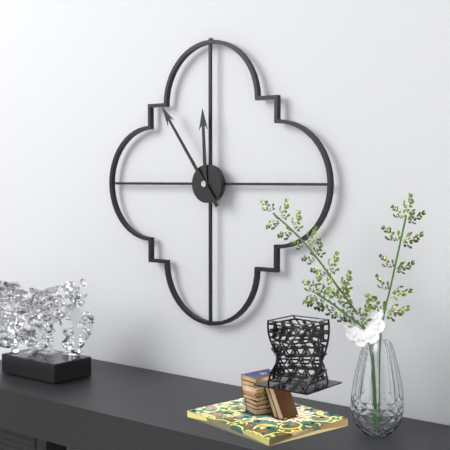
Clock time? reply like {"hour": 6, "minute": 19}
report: {"hour": 11, "minute": 54}
